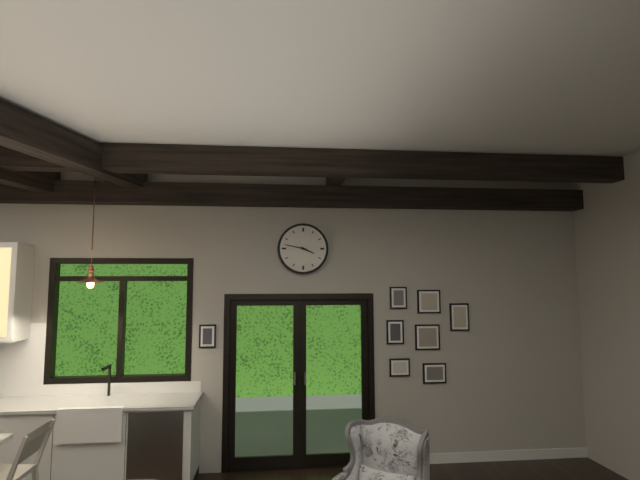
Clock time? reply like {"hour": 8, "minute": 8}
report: {"hour": 3, "minute": 47}
